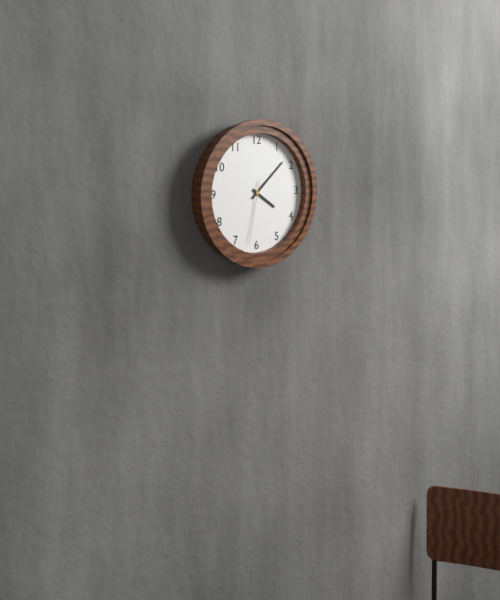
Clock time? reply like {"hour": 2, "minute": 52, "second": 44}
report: {"hour": 4, "minute": 8, "second": 32}
